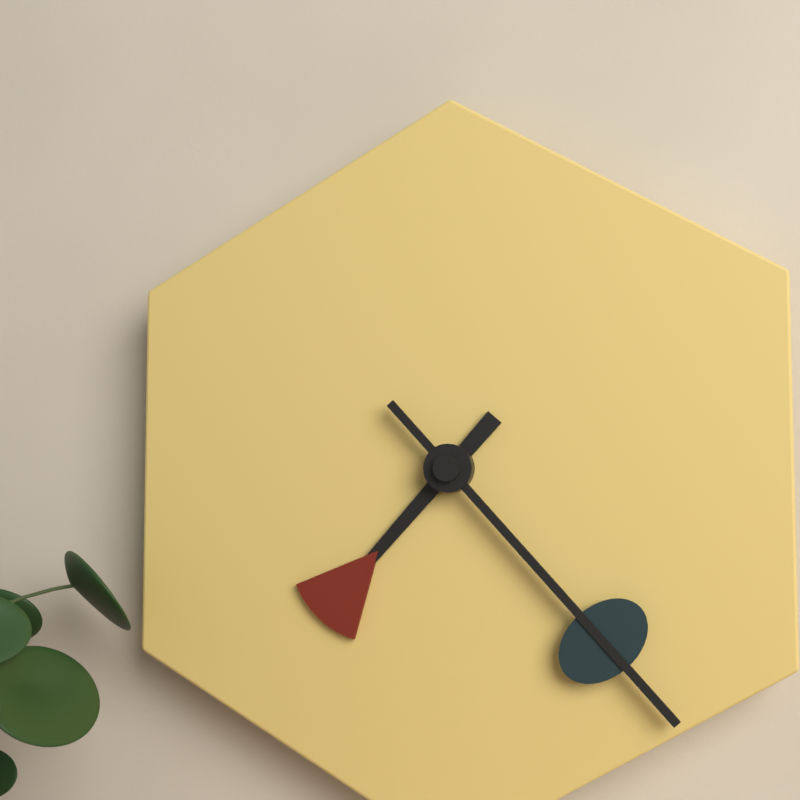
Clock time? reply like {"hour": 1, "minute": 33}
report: {"hour": 7, "minute": 23}
